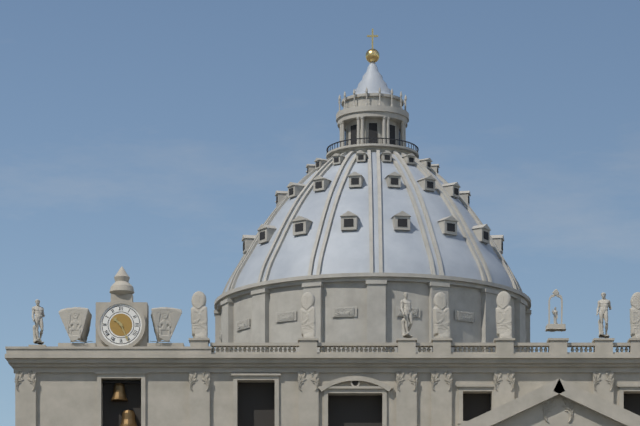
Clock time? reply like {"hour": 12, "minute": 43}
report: {"hour": 10, "minute": 26}
